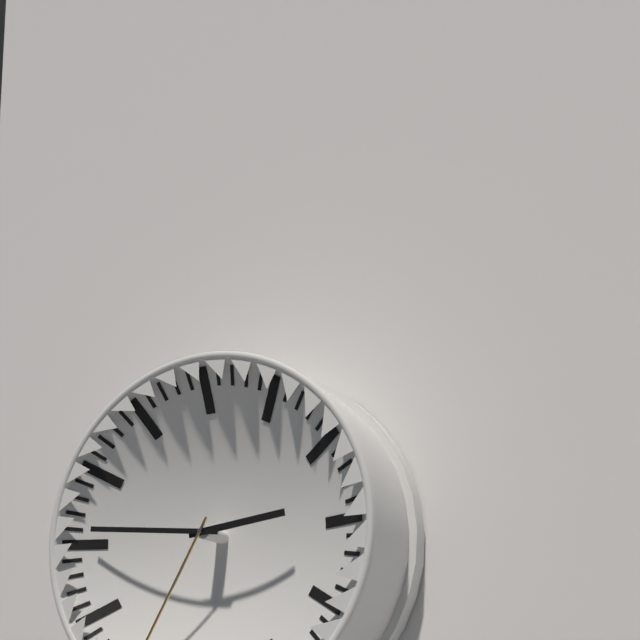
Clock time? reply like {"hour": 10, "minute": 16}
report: {"hour": 2, "minute": 46}
